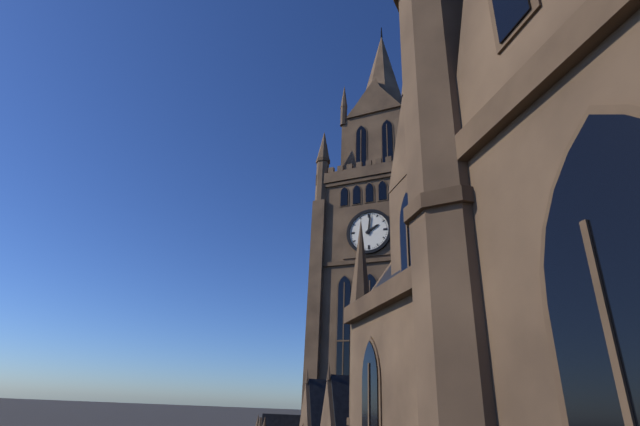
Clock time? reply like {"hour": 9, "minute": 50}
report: {"hour": 2, "minute": 1}
